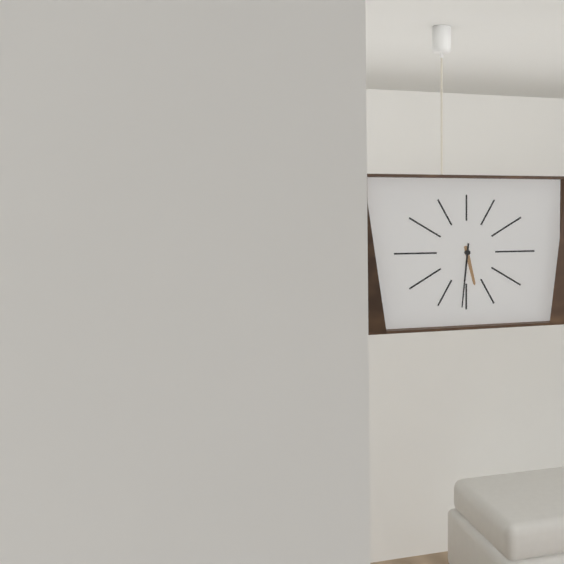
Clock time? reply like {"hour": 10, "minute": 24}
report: {"hour": 5, "minute": 31}
